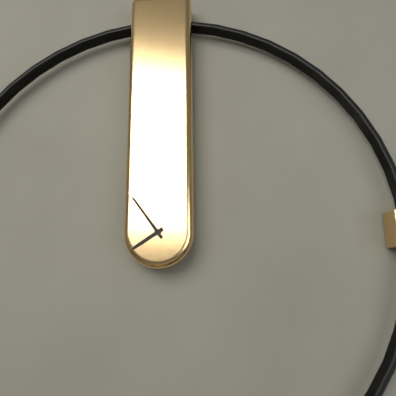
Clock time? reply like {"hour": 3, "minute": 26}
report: {"hour": 7, "minute": 54}
